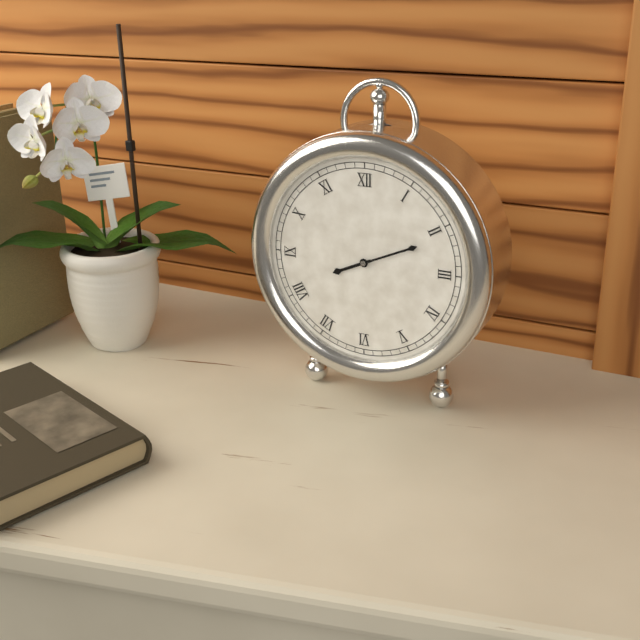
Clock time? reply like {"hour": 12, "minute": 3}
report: {"hour": 8, "minute": 11}
